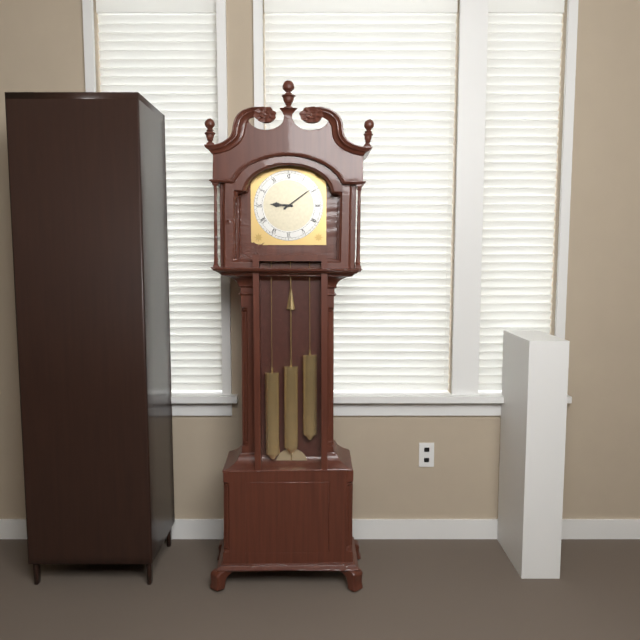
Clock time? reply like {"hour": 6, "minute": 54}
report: {"hour": 9, "minute": 9}
